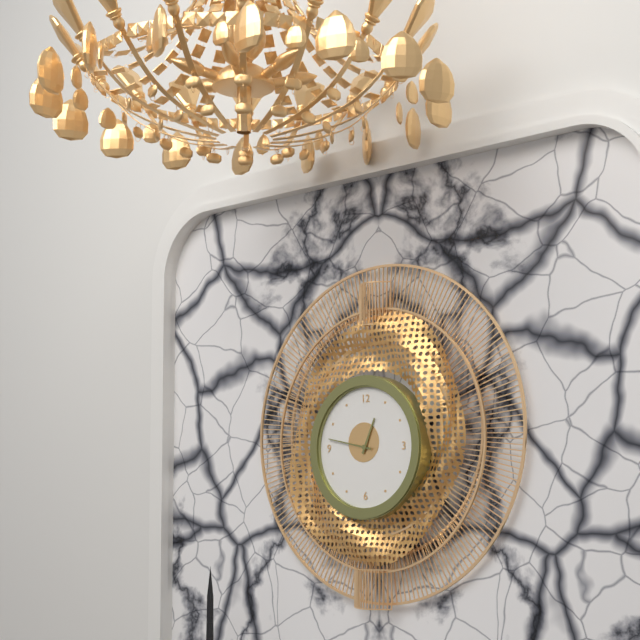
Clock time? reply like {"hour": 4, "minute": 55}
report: {"hour": 12, "minute": 47}
